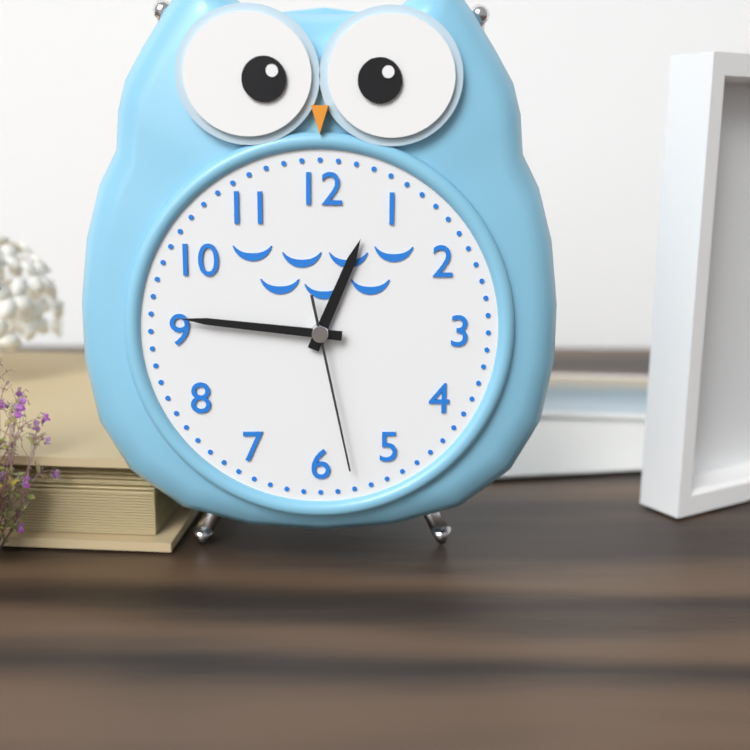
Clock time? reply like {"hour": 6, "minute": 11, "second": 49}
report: {"hour": 12, "minute": 46, "second": 28}
